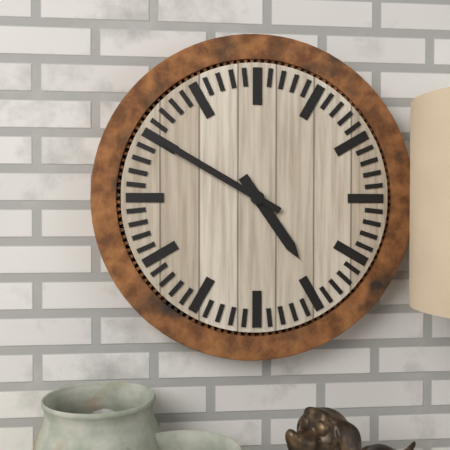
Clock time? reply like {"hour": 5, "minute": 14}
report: {"hour": 4, "minute": 50}
